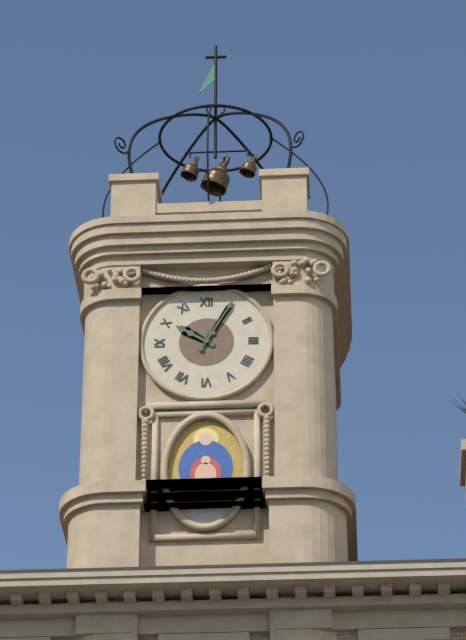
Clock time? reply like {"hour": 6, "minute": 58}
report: {"hour": 10, "minute": 5}
